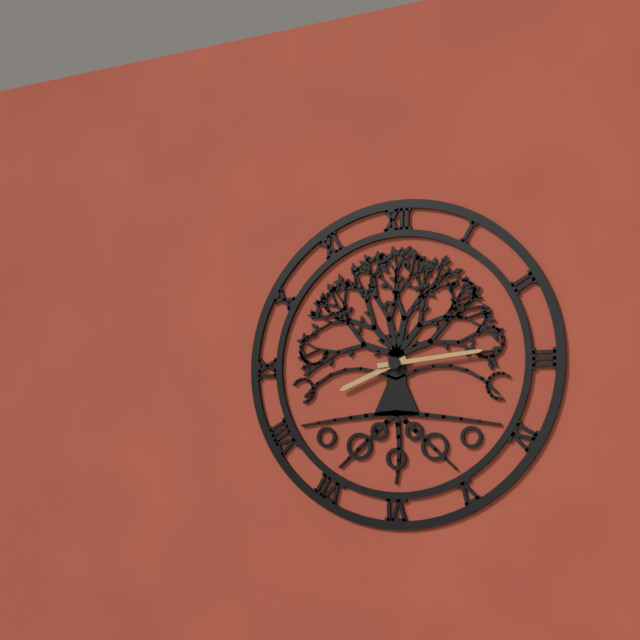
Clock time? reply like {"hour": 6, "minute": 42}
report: {"hour": 8, "minute": 14}
